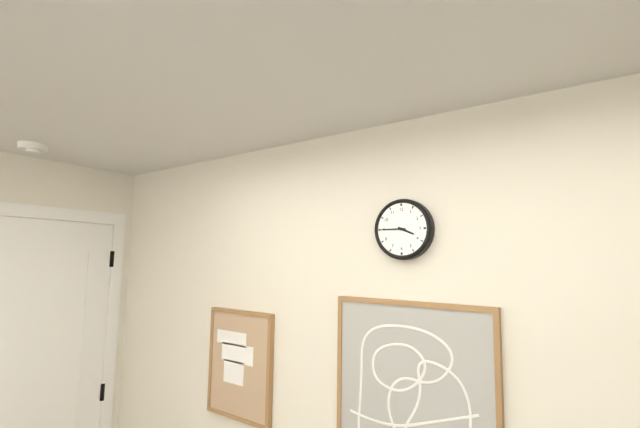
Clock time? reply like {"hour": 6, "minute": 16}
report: {"hour": 3, "minute": 45}
